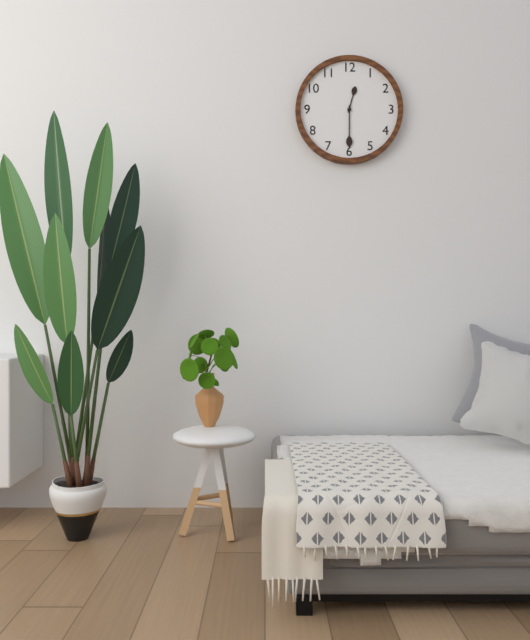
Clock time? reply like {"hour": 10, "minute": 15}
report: {"hour": 12, "minute": 30}
